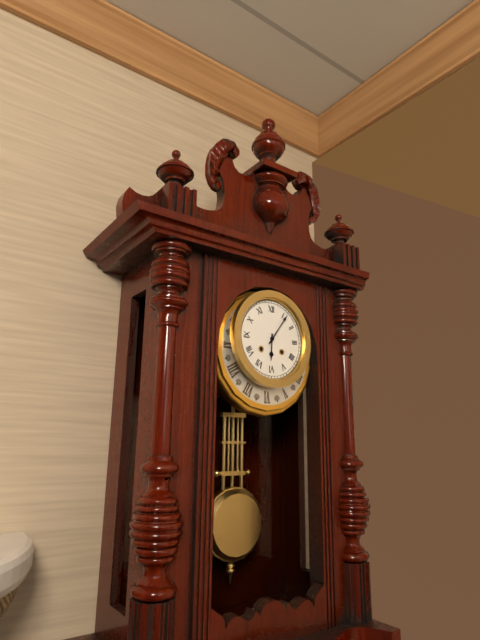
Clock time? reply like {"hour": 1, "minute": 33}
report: {"hour": 6, "minute": 6}
